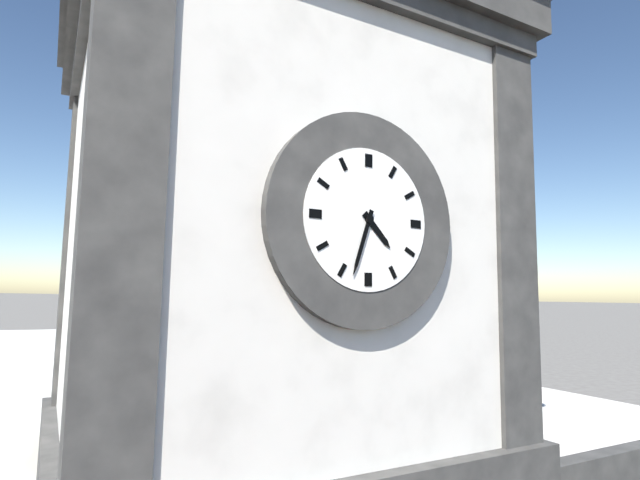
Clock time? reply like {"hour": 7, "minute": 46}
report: {"hour": 4, "minute": 33}
